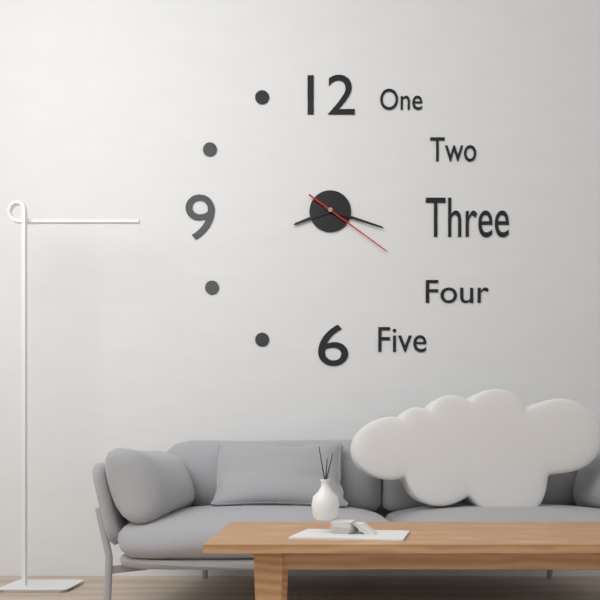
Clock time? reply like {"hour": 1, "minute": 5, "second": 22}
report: {"hour": 8, "minute": 18, "second": 21}
